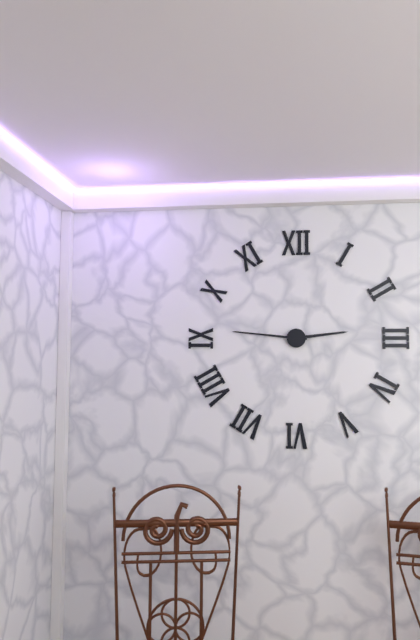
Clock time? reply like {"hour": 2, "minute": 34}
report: {"hour": 2, "minute": 46}
